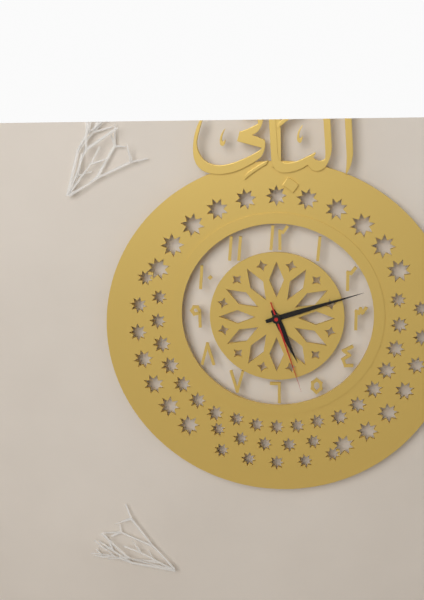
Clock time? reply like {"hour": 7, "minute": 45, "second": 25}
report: {"hour": 5, "minute": 12, "second": 27}
